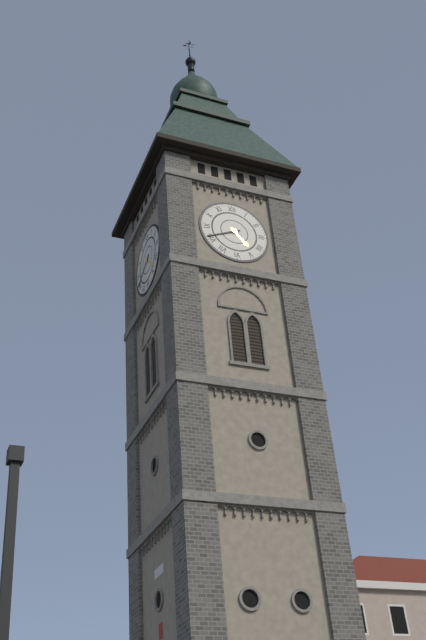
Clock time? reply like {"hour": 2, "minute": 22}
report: {"hour": 4, "minute": 41}
